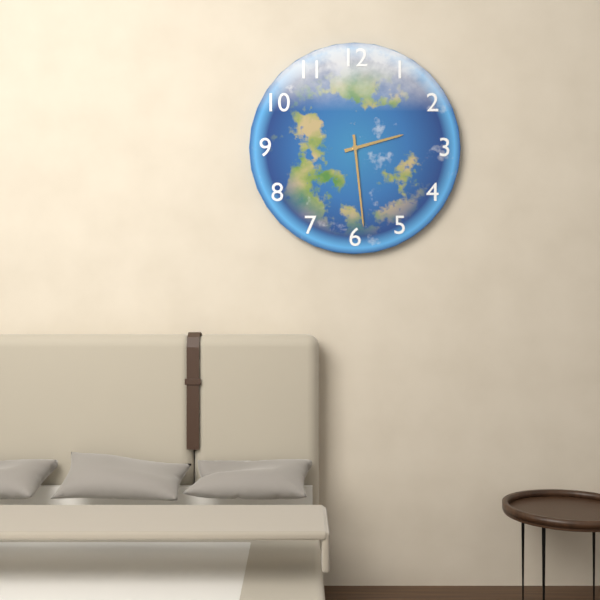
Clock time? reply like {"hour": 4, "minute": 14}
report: {"hour": 2, "minute": 29}
